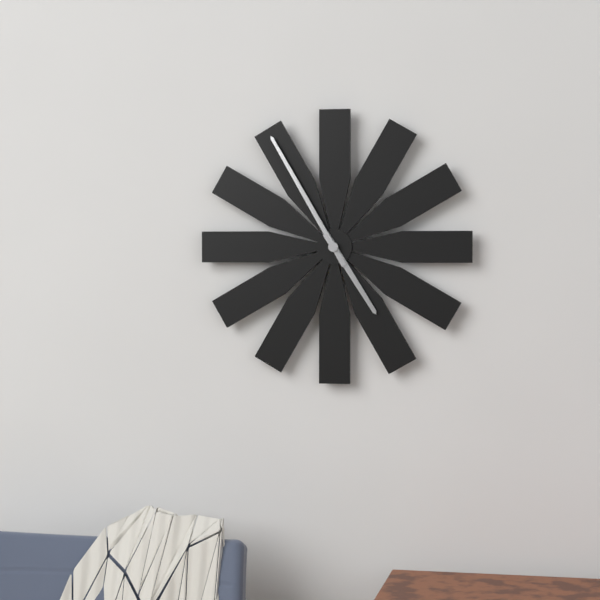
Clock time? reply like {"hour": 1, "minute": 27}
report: {"hour": 4, "minute": 55}
